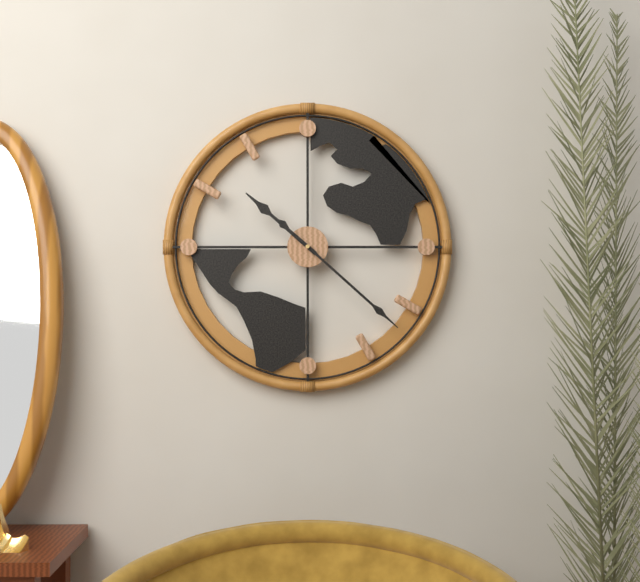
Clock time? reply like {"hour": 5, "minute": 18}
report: {"hour": 10, "minute": 22}
